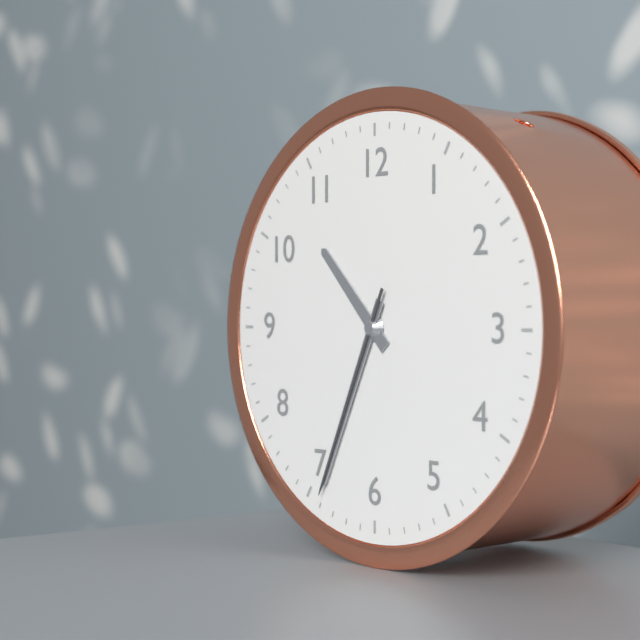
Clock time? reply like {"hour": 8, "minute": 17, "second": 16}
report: {"hour": 10, "minute": 34, "second": 34}
